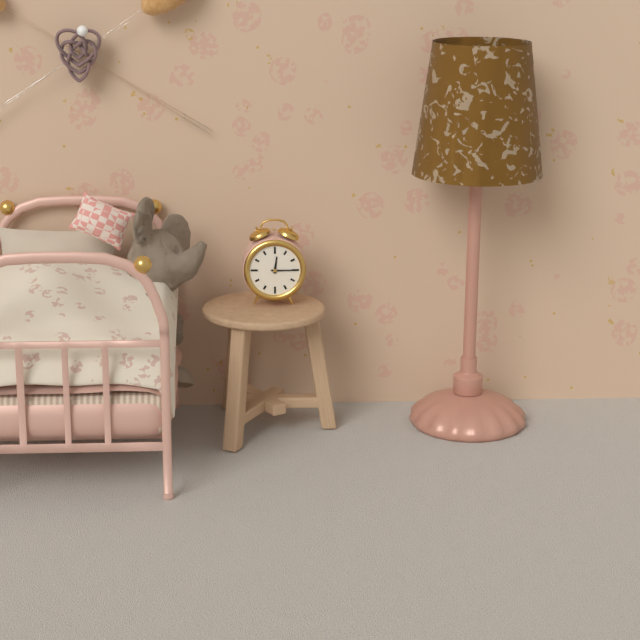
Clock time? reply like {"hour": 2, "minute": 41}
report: {"hour": 12, "minute": 15}
